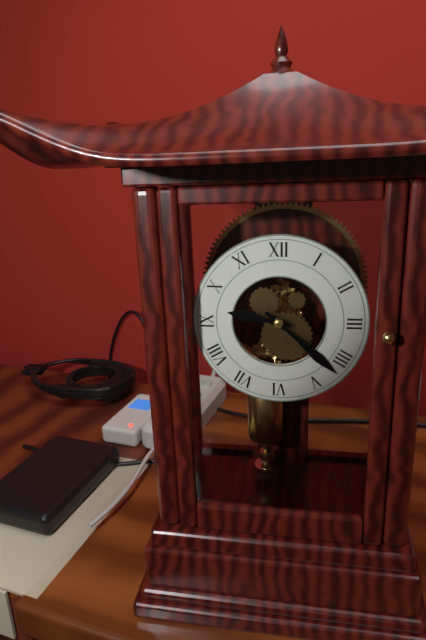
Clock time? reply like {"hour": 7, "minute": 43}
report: {"hour": 9, "minute": 22}
